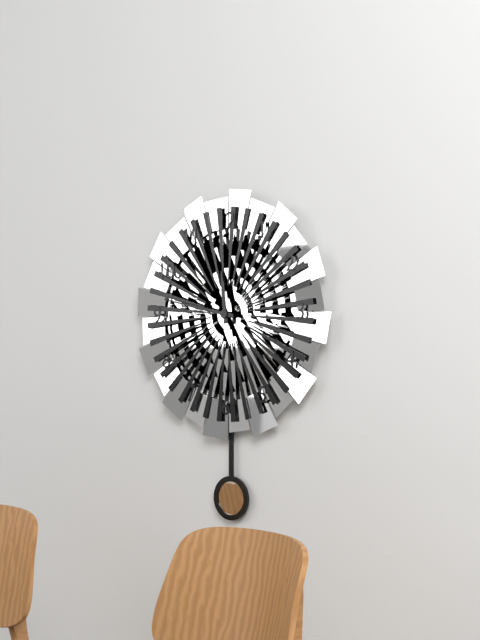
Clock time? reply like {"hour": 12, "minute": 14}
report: {"hour": 11, "minute": 47}
